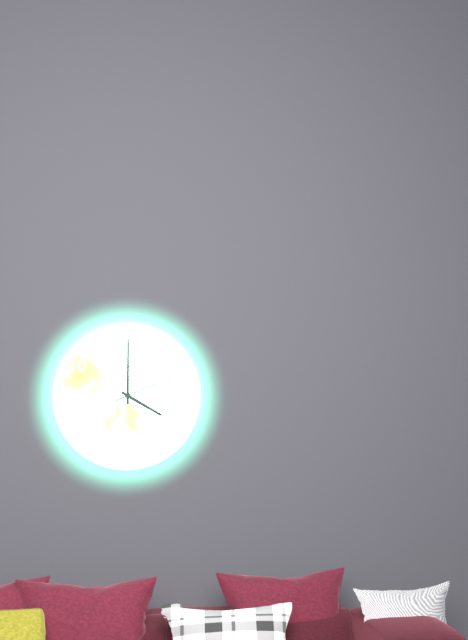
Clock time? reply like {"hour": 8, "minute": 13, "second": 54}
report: {"hour": 4, "minute": 0, "second": 11}
